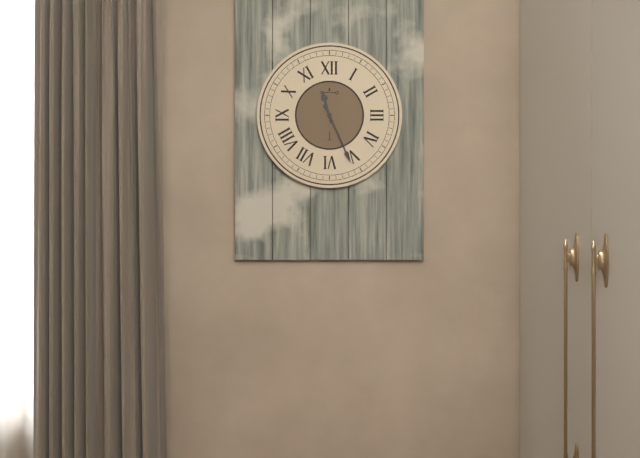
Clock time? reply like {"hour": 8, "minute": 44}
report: {"hour": 11, "minute": 26}
